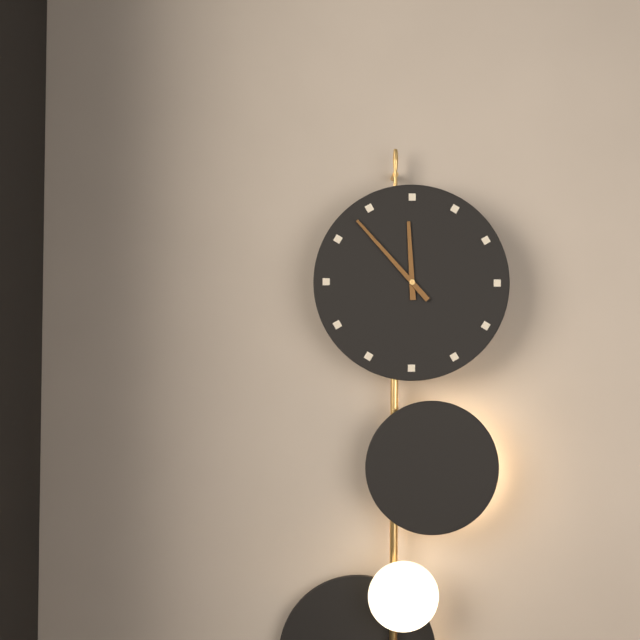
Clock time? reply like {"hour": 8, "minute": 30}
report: {"hour": 11, "minute": 53}
